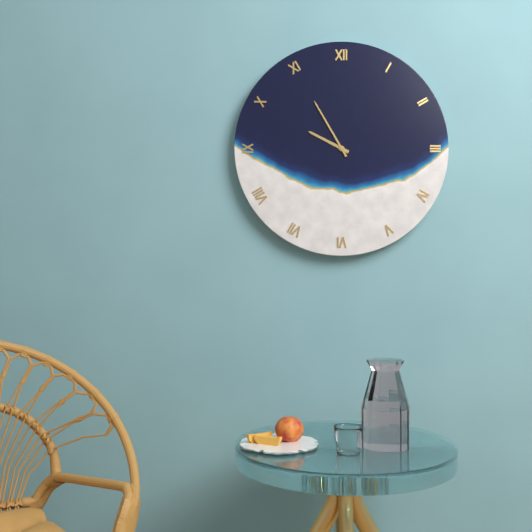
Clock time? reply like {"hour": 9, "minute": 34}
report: {"hour": 9, "minute": 55}
